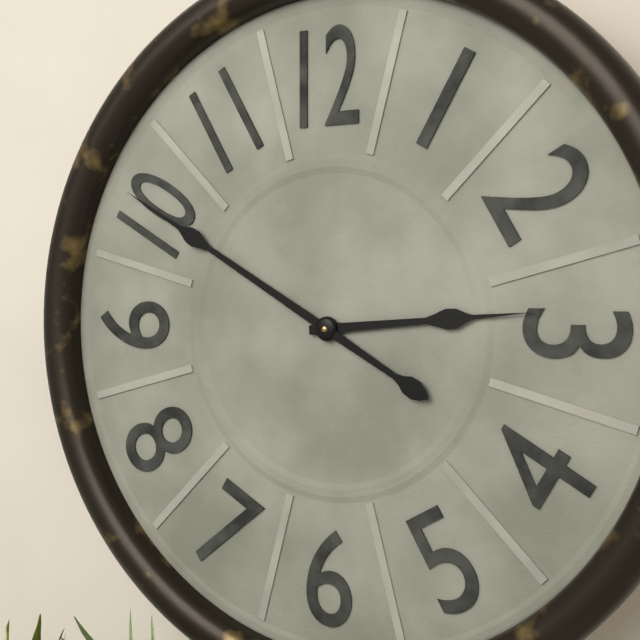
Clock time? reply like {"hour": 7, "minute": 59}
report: {"hour": 2, "minute": 50}
